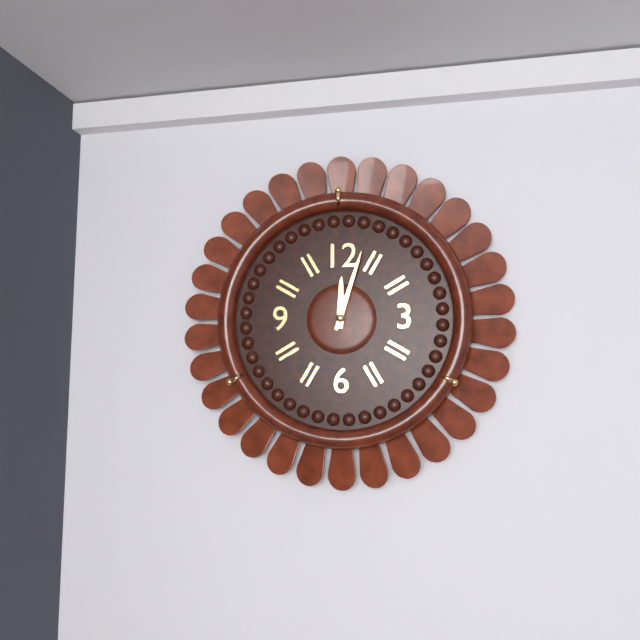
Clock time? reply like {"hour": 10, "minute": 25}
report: {"hour": 12, "minute": 3}
